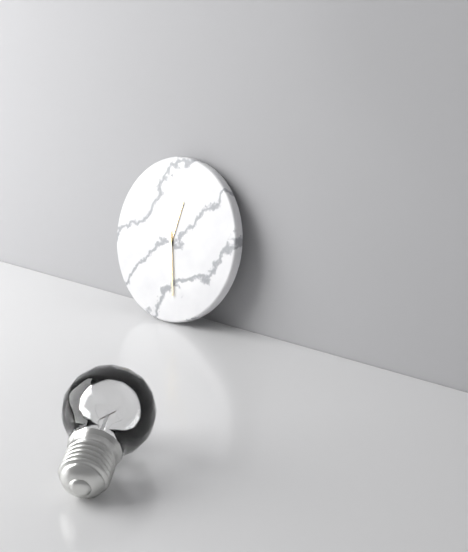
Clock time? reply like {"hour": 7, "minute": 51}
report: {"hour": 12, "minute": 28}
